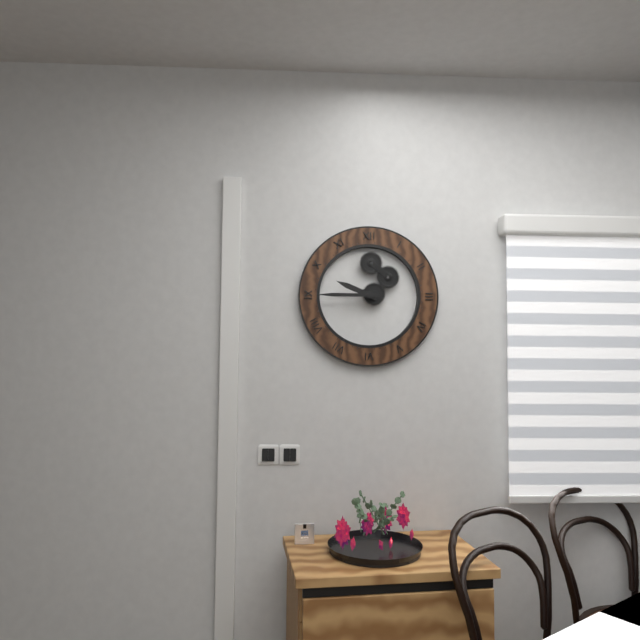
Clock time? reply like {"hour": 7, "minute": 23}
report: {"hour": 9, "minute": 45}
